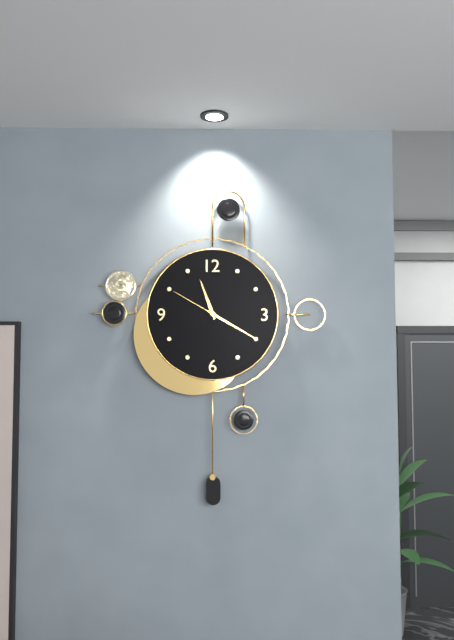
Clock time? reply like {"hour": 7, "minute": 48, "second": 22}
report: {"hour": 11, "minute": 20, "second": 50}
